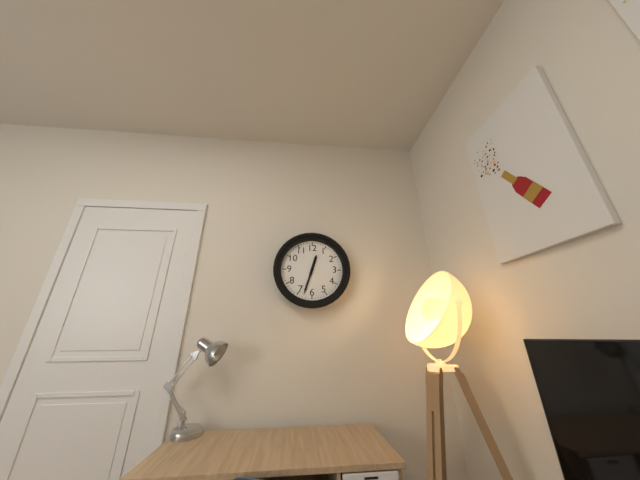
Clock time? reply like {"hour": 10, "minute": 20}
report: {"hour": 12, "minute": 33}
